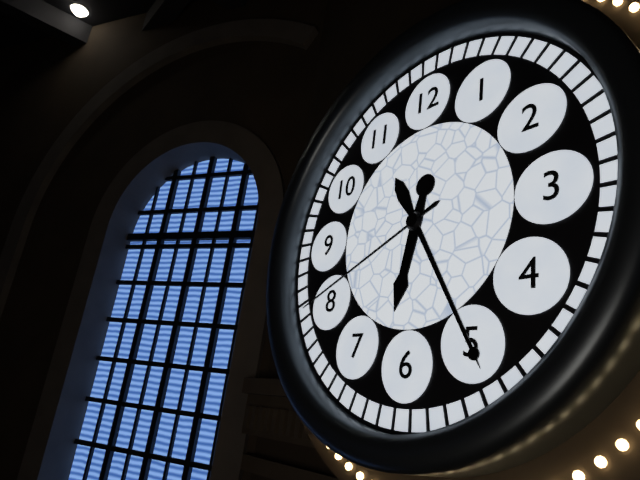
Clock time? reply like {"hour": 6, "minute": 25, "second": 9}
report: {"hour": 6, "minute": 25, "second": 41}
